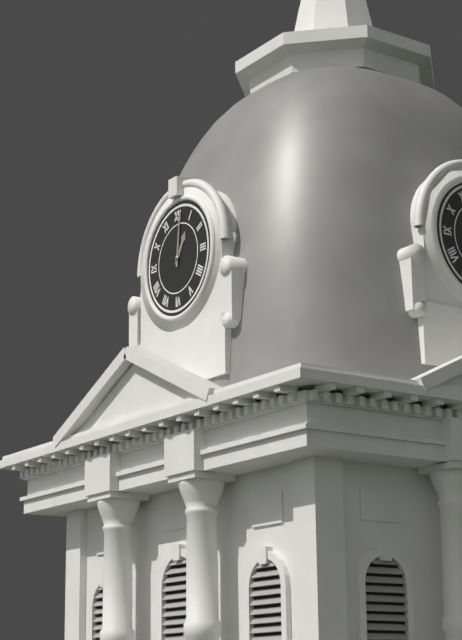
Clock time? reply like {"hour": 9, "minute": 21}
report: {"hour": 1, "minute": 1}
